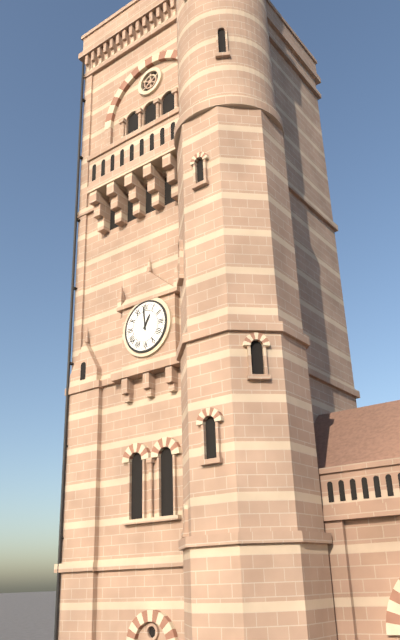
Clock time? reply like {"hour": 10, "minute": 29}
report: {"hour": 12, "minute": 59}
